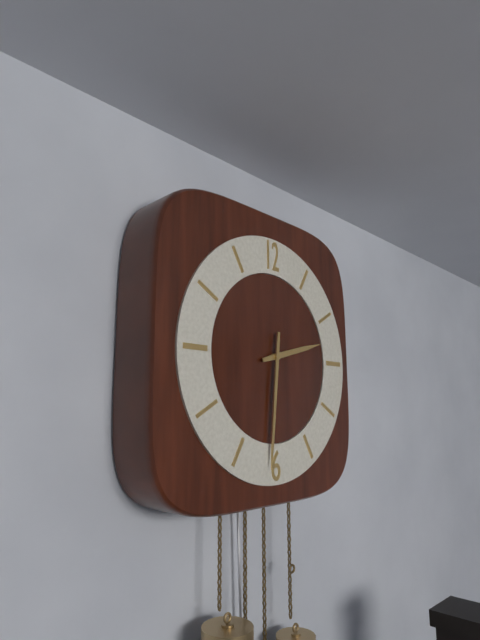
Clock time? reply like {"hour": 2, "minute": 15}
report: {"hour": 2, "minute": 31}
